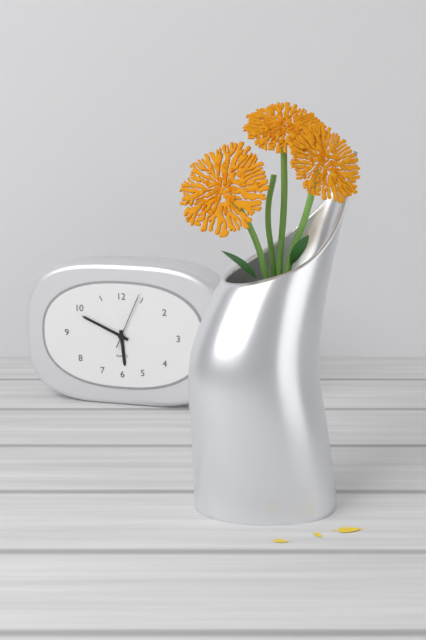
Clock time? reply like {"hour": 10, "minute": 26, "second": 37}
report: {"hour": 5, "minute": 49, "second": 4}
